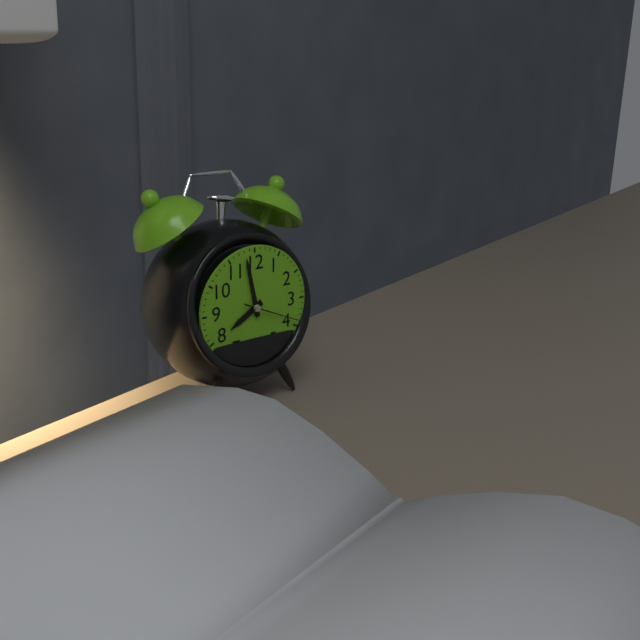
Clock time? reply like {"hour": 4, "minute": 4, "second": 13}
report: {"hour": 7, "minute": 58, "second": 19}
